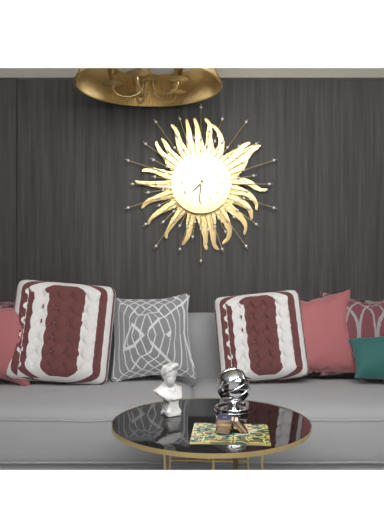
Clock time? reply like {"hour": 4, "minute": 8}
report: {"hour": 7, "minute": 31}
